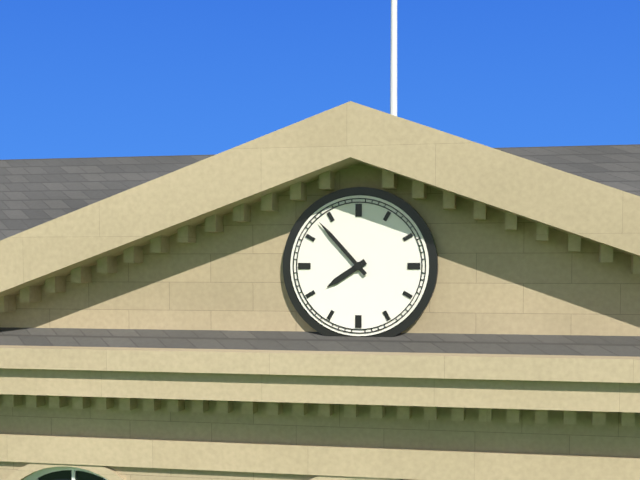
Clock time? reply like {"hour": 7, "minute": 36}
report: {"hour": 7, "minute": 53}
